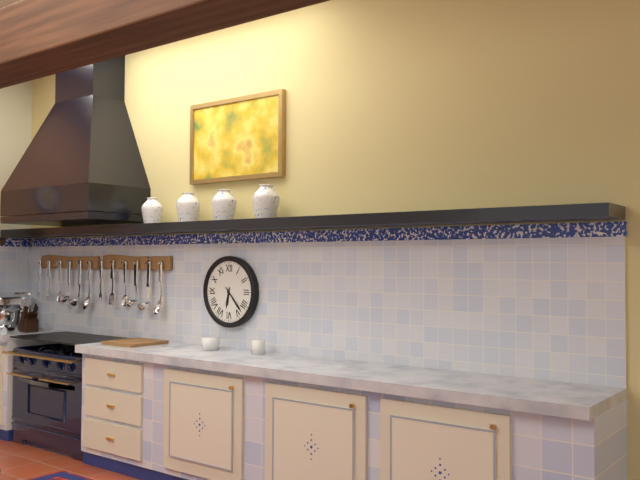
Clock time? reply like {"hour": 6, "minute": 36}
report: {"hour": 6, "minute": 23}
